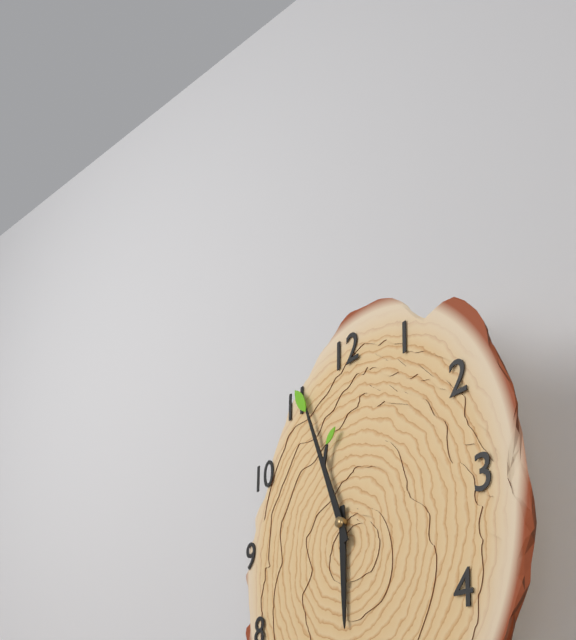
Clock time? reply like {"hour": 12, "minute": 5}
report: {"hour": 5, "minute": 56}
